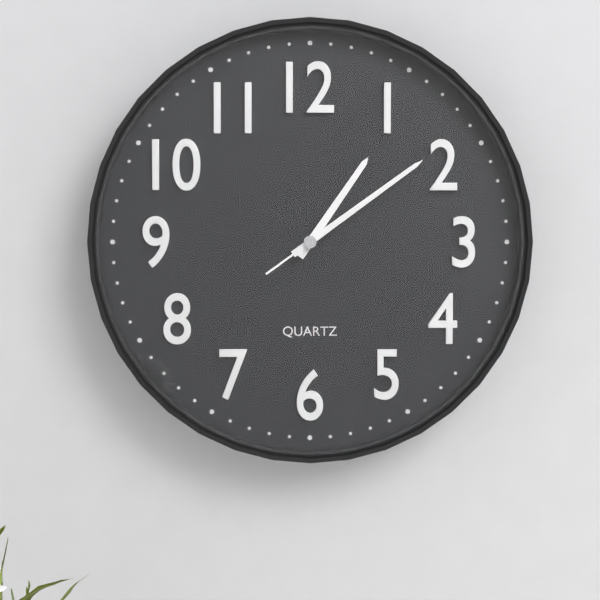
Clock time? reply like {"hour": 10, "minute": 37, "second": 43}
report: {"hour": 1, "minute": 9, "second": 9}
